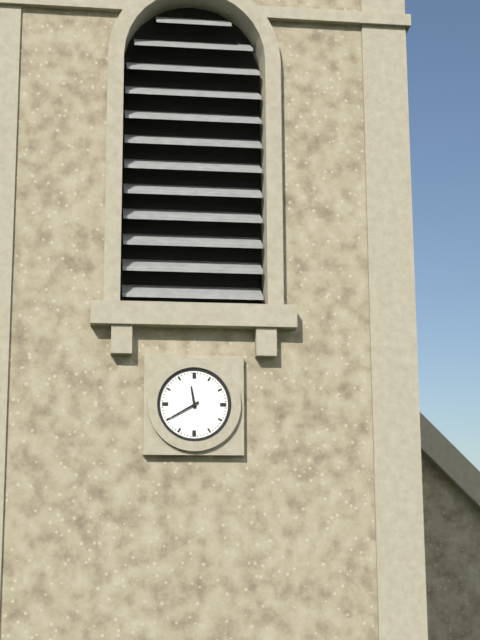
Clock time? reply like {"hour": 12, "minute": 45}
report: {"hour": 11, "minute": 40}
